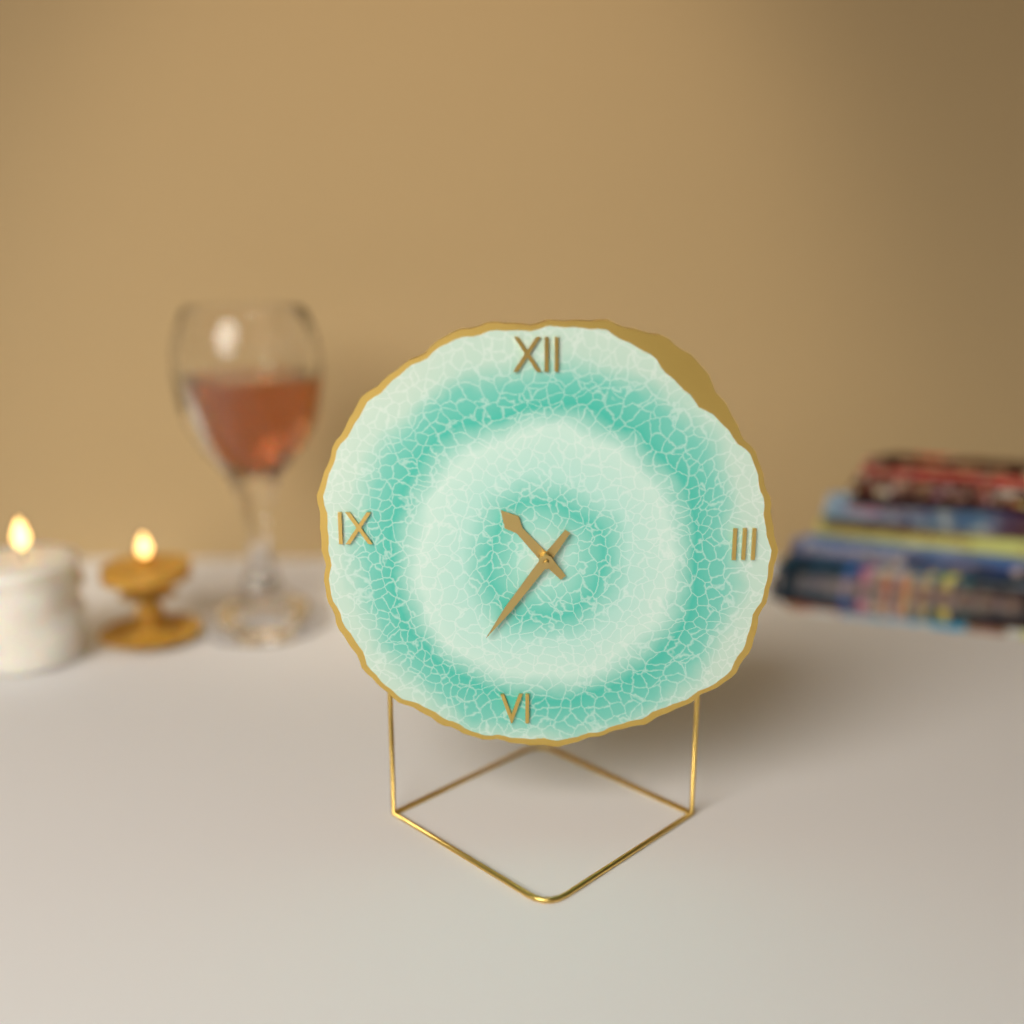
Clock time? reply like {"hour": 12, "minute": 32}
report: {"hour": 10, "minute": 36}
